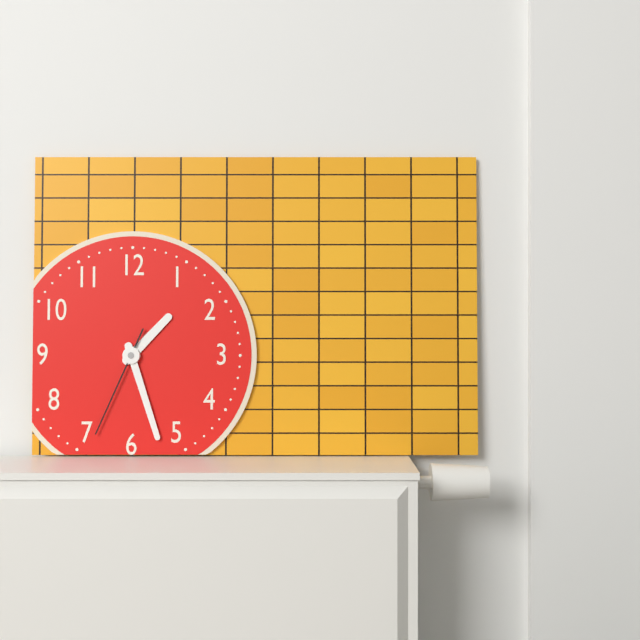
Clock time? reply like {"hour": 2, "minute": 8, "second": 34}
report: {"hour": 1, "minute": 27, "second": 34}
